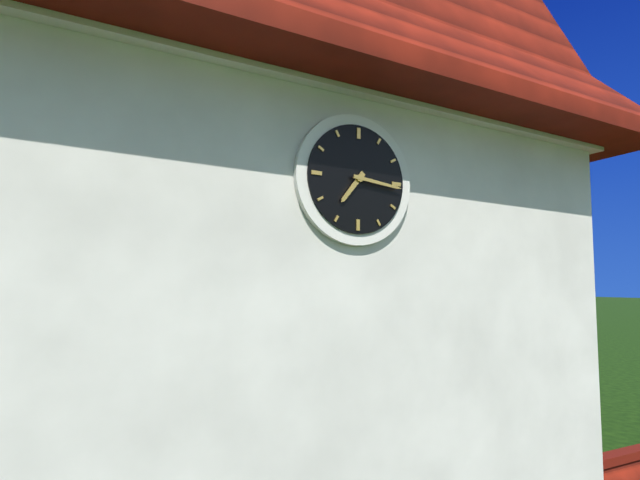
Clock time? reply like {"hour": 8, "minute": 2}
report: {"hour": 7, "minute": 16}
